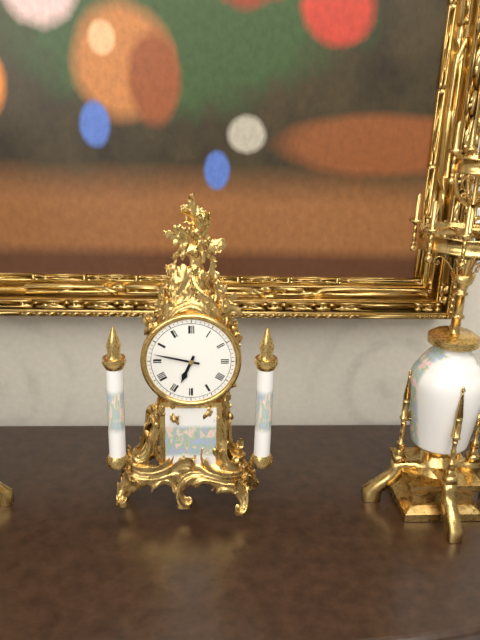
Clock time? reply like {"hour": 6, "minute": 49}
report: {"hour": 6, "minute": 47}
